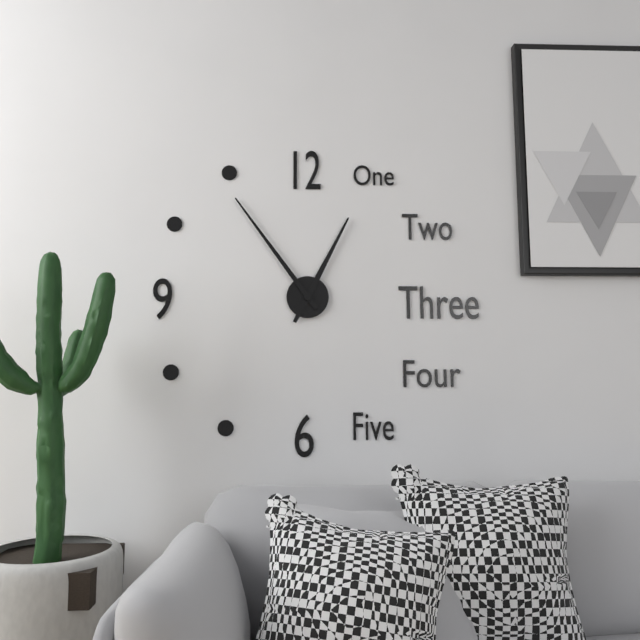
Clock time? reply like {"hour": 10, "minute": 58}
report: {"hour": 12, "minute": 54}
